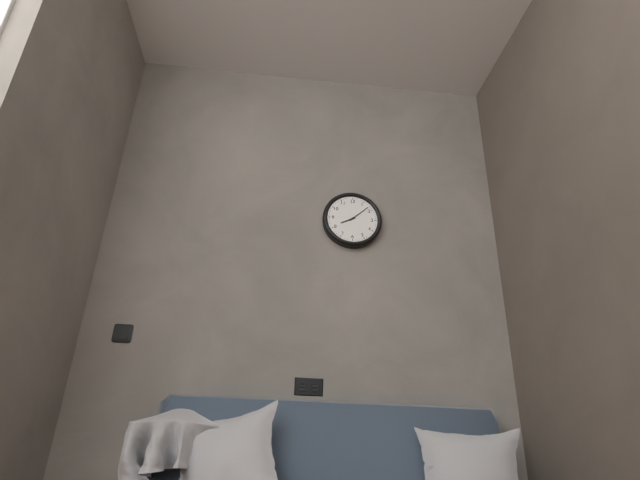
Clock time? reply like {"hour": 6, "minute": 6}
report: {"hour": 8, "minute": 8}
